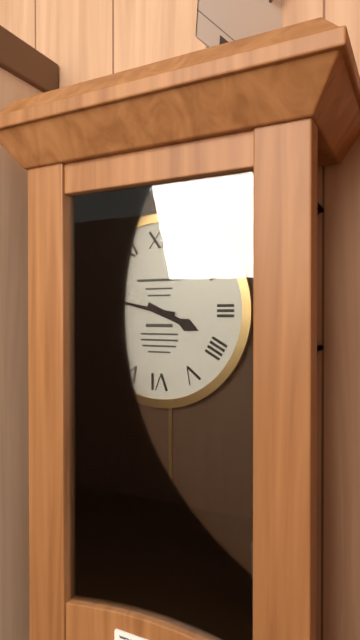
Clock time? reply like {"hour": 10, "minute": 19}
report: {"hour": 3, "minute": 47}
